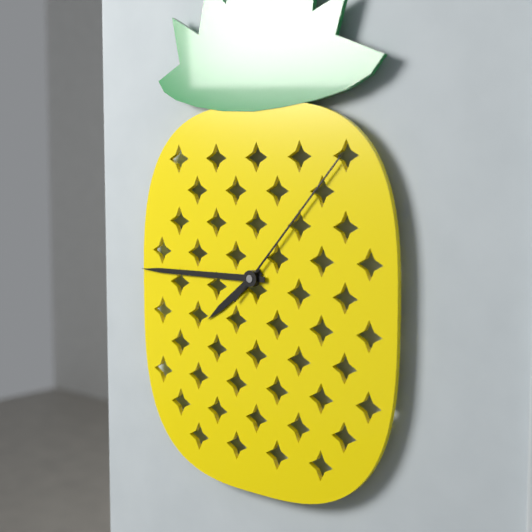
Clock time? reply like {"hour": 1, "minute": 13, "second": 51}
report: {"hour": 7, "minute": 45, "second": 7}
